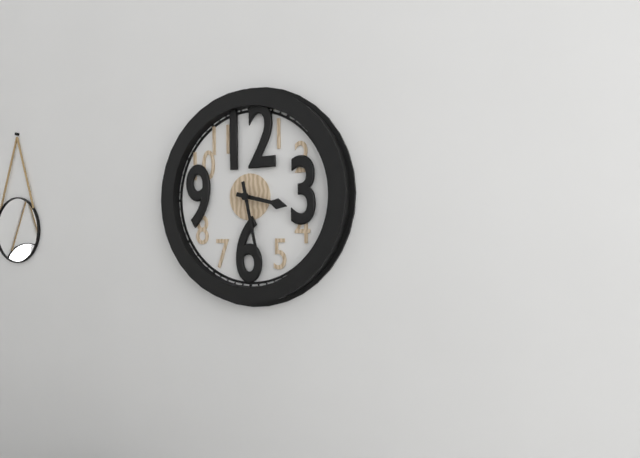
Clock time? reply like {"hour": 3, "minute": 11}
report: {"hour": 3, "minute": 28}
